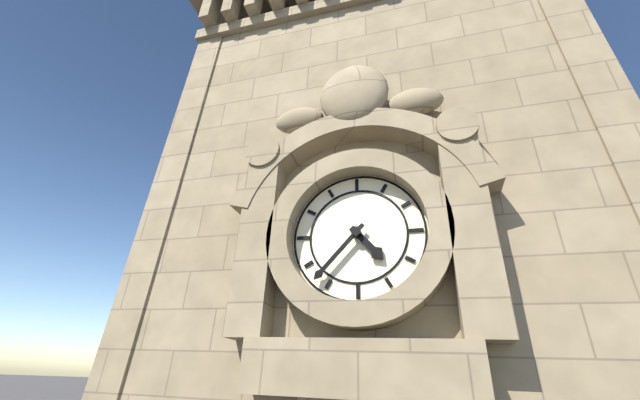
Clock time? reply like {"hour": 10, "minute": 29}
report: {"hour": 4, "minute": 37}
